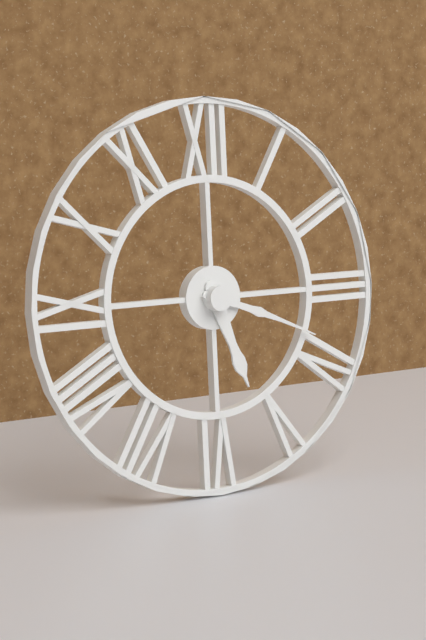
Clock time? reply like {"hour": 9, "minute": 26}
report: {"hour": 5, "minute": 18}
